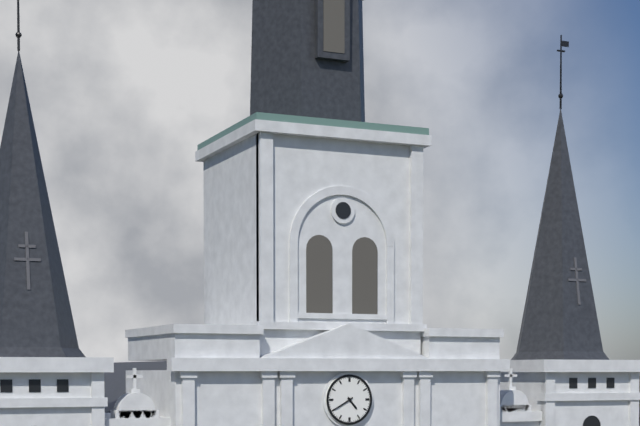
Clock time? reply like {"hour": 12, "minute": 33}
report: {"hour": 4, "minute": 40}
